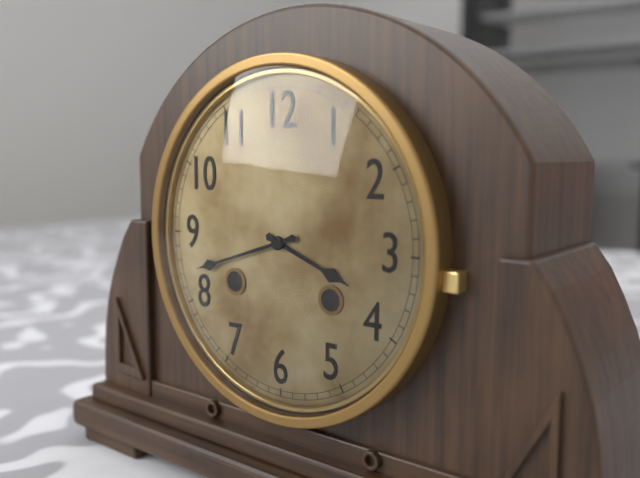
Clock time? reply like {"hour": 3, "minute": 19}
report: {"hour": 3, "minute": 42}
